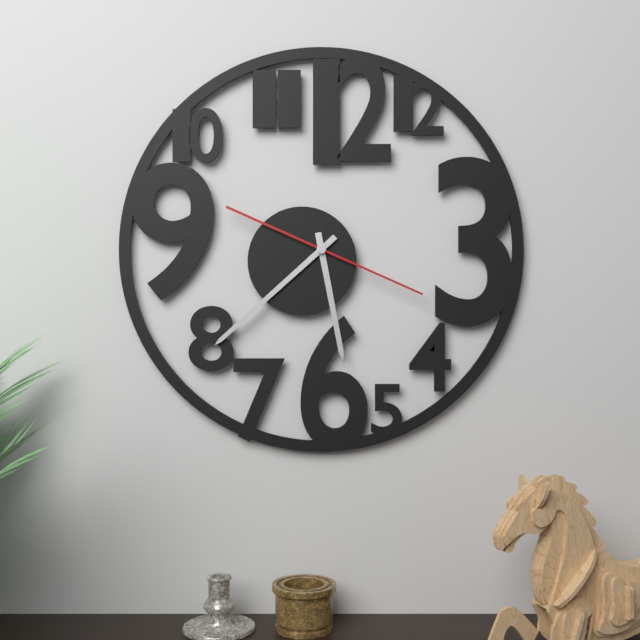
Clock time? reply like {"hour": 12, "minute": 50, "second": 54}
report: {"hour": 5, "minute": 38, "second": 19}
